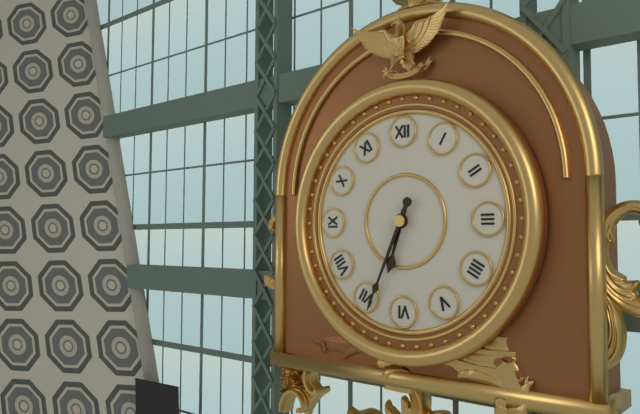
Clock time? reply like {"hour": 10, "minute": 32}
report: {"hour": 6, "minute": 34}
